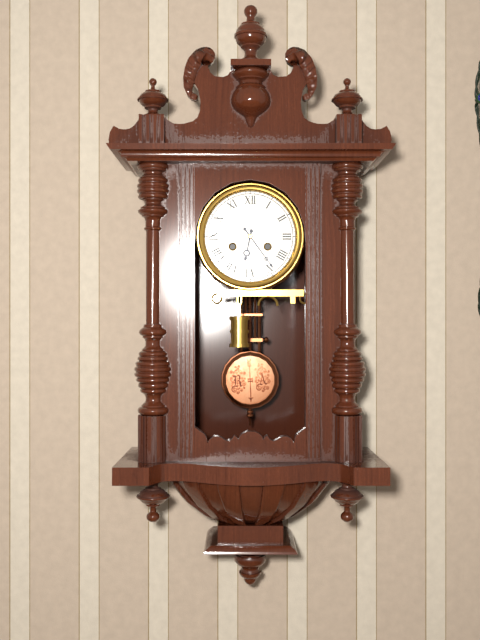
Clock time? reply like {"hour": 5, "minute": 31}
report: {"hour": 6, "minute": 24}
